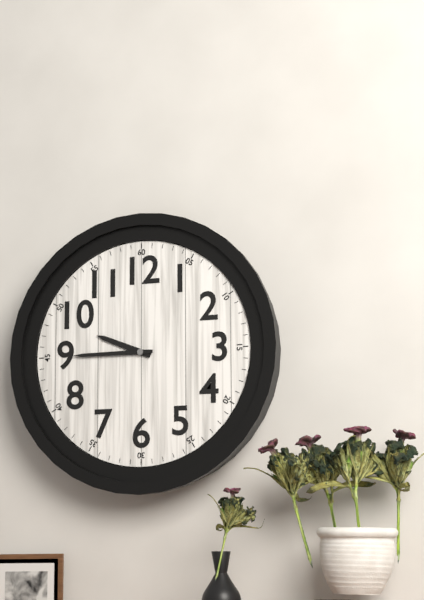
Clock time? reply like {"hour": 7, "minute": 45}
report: {"hour": 9, "minute": 45}
